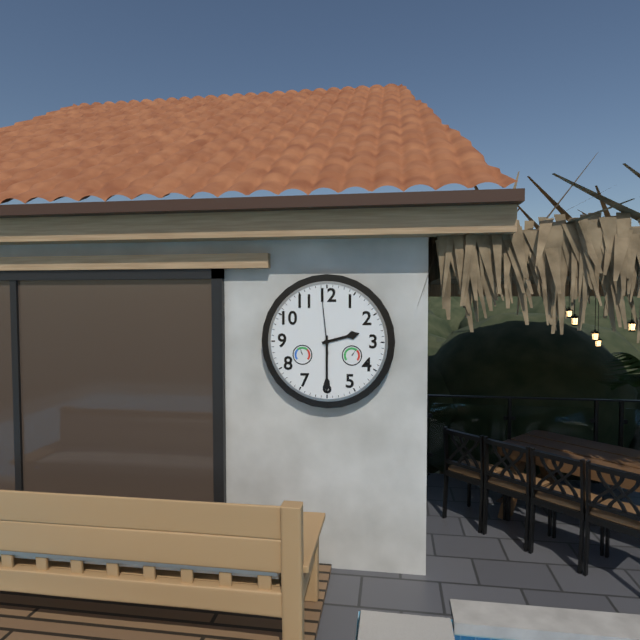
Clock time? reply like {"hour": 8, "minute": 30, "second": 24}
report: {"hour": 2, "minute": 30, "second": 59}
